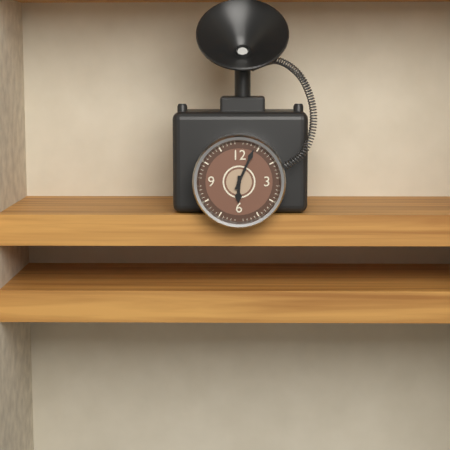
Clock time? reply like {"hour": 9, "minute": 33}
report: {"hour": 6, "minute": 4}
